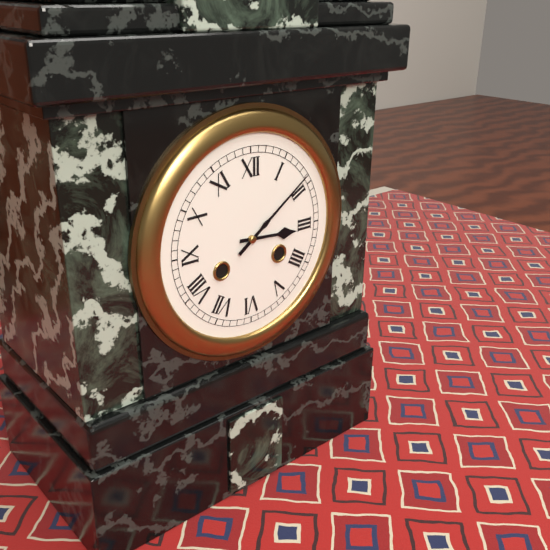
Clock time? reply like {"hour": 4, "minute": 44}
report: {"hour": 3, "minute": 9}
